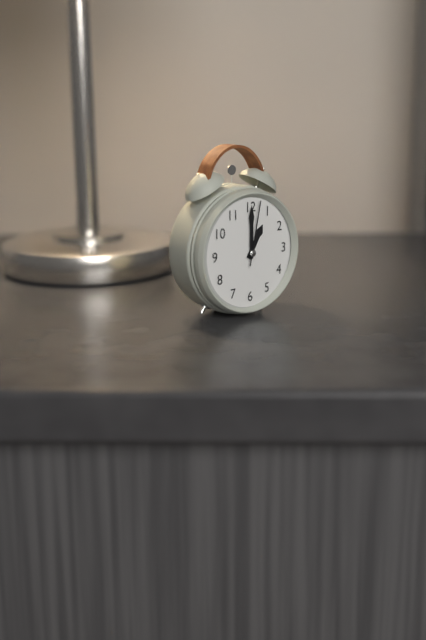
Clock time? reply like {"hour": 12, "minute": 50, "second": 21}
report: {"hour": 1, "minute": 0, "second": 2}
